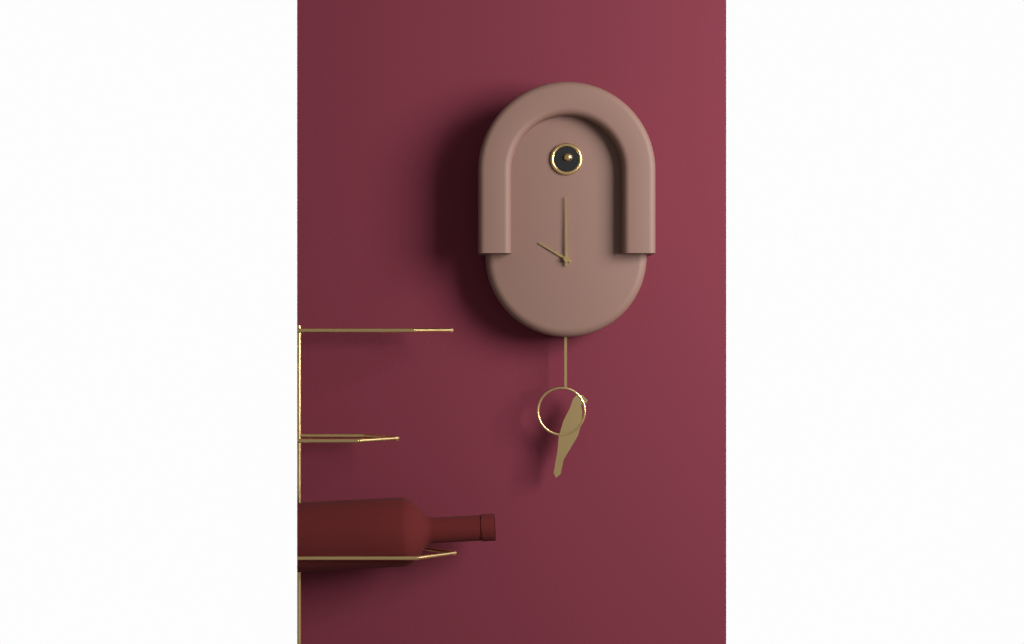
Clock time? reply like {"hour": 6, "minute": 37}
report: {"hour": 10, "minute": 0}
